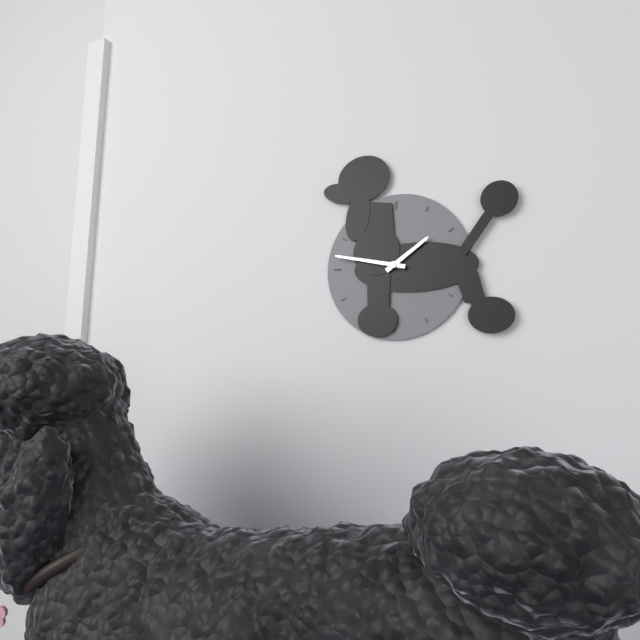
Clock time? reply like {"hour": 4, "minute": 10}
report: {"hour": 1, "minute": 47}
